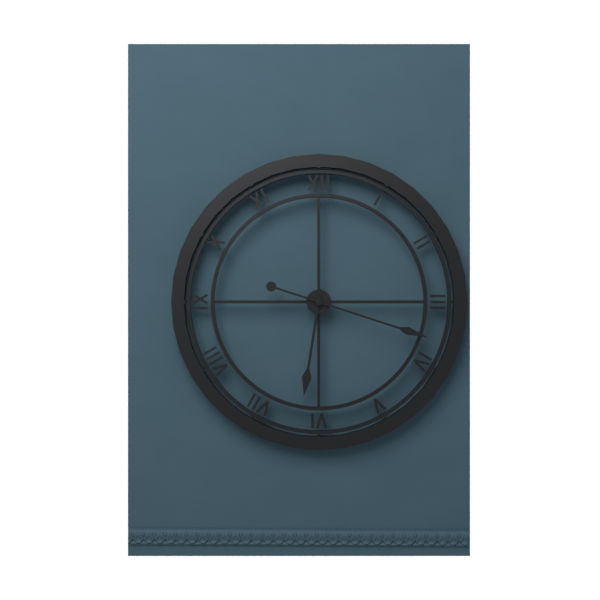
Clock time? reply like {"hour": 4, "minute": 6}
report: {"hour": 6, "minute": 18}
